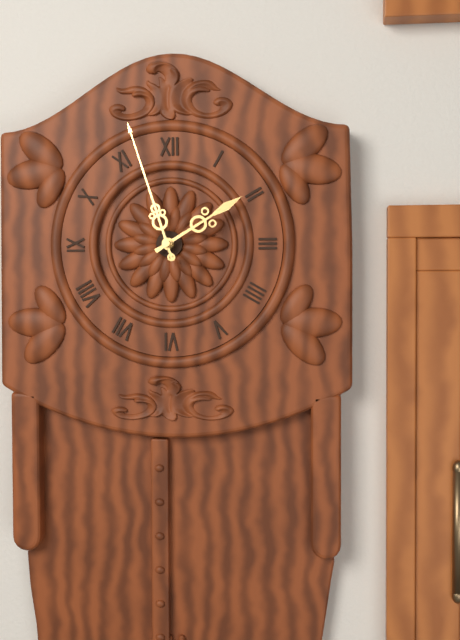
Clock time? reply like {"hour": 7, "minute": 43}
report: {"hour": 1, "minute": 57}
